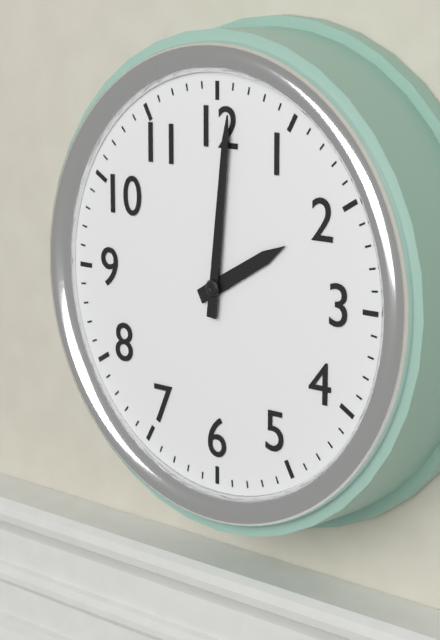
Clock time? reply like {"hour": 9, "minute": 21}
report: {"hour": 2, "minute": 1}
